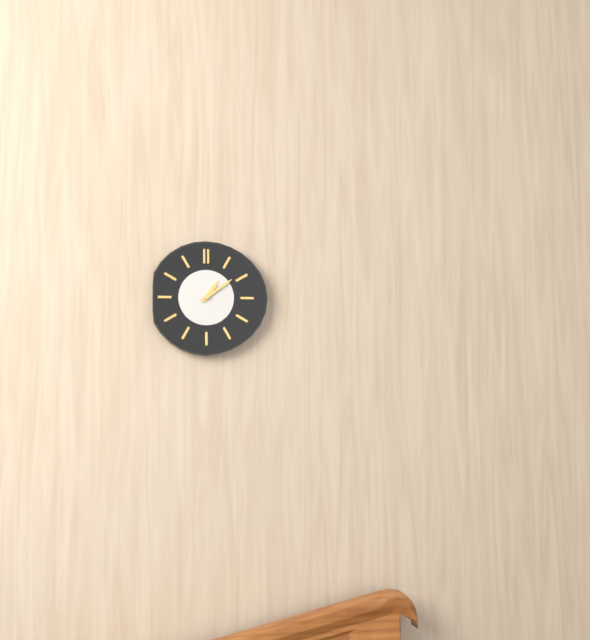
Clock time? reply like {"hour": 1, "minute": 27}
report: {"hour": 1, "minute": 9}
